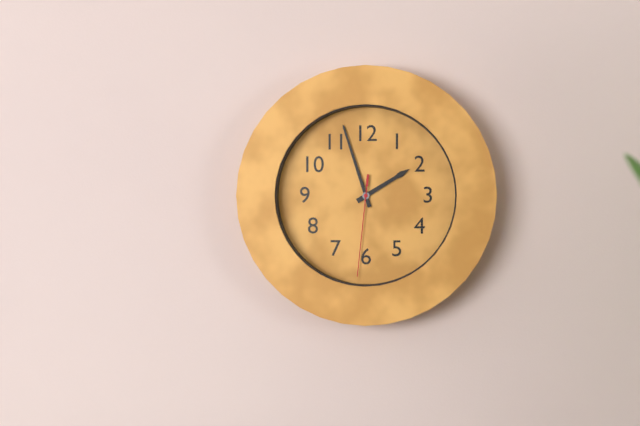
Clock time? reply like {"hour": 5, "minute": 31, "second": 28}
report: {"hour": 1, "minute": 57, "second": 31}
